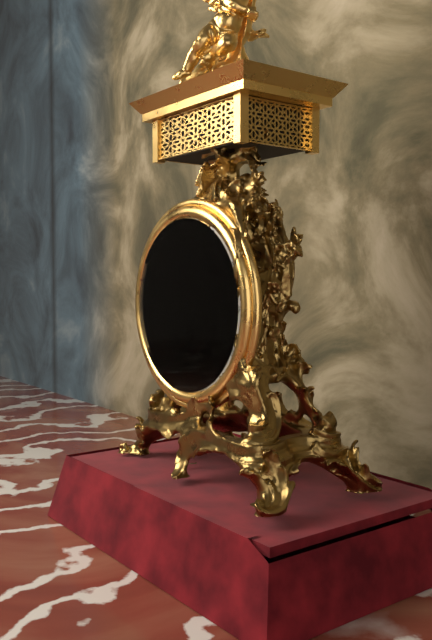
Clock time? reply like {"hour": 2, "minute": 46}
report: {"hour": 11, "minute": 50}
